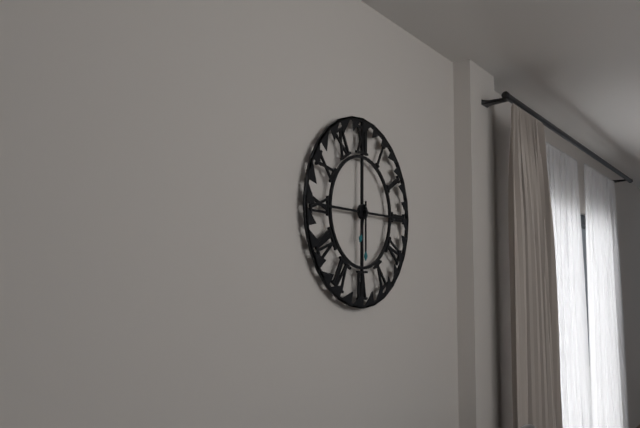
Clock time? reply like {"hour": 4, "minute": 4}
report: {"hour": 6, "minute": 30}
